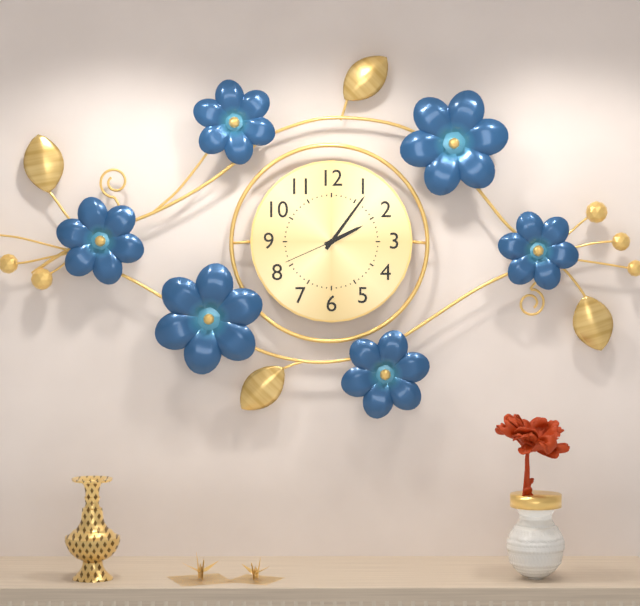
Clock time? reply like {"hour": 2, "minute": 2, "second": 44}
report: {"hour": 2, "minute": 6, "second": 41}
